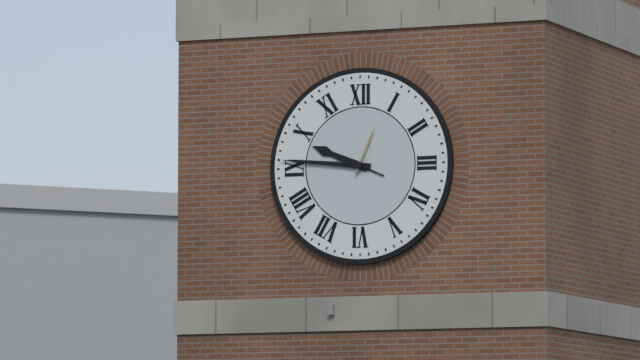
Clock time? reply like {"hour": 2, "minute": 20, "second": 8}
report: {"hour": 9, "minute": 46, "second": 4}
